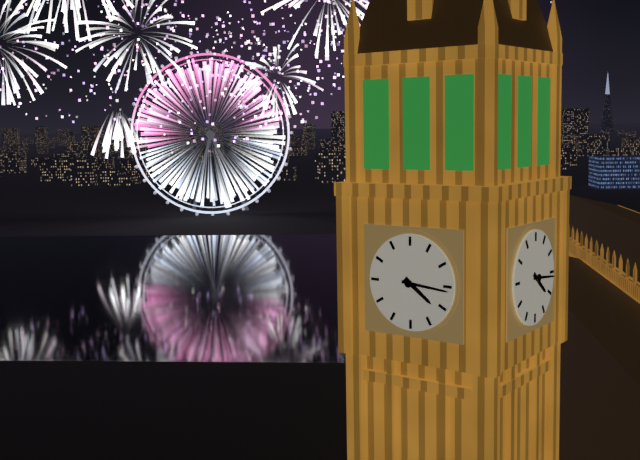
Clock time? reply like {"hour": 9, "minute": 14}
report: {"hour": 4, "minute": 16}
